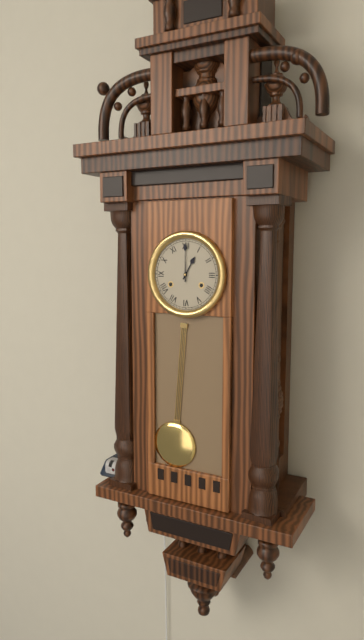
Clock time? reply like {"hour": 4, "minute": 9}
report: {"hour": 1, "minute": 0}
